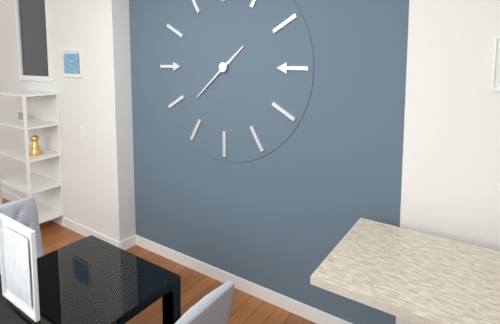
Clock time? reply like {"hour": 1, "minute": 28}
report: {"hour": 1, "minute": 38}
